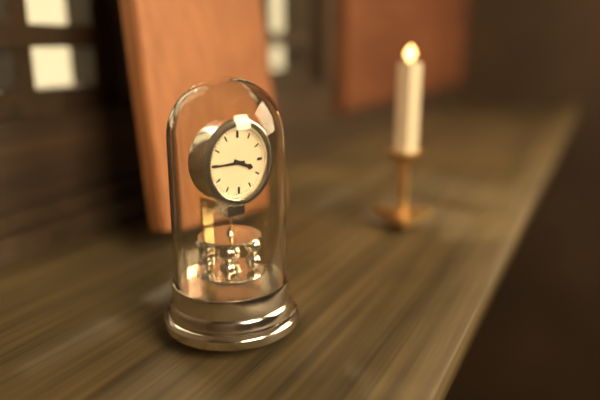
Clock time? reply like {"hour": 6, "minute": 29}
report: {"hour": 3, "minute": 45}
